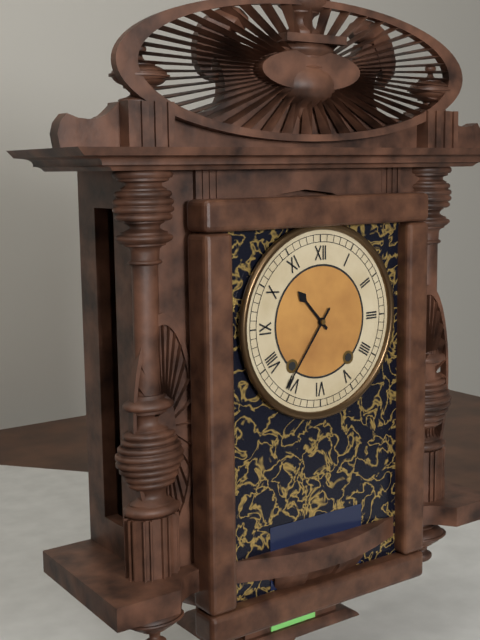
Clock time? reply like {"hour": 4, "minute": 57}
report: {"hour": 10, "minute": 36}
